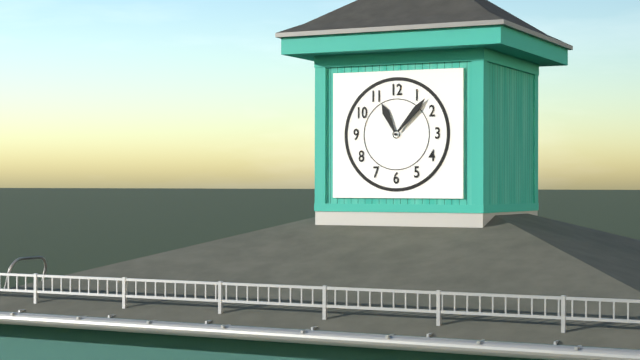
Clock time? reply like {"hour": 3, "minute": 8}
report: {"hour": 11, "minute": 7}
